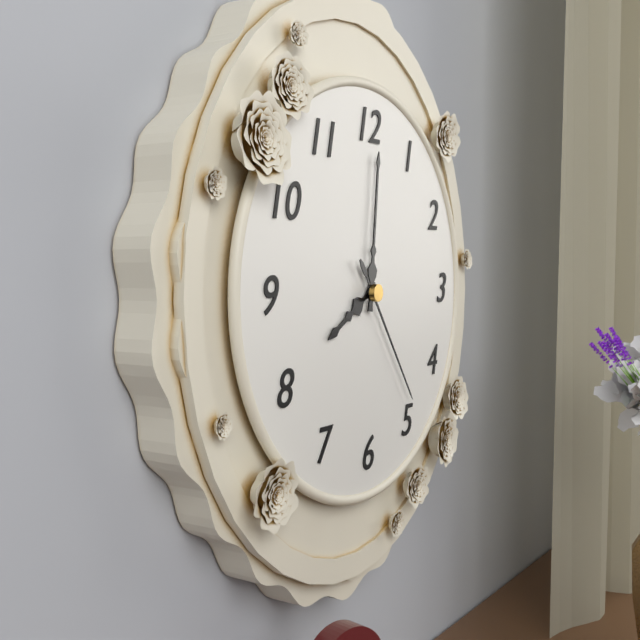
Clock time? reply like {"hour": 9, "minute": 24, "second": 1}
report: {"hour": 8, "minute": 1, "second": 24}
